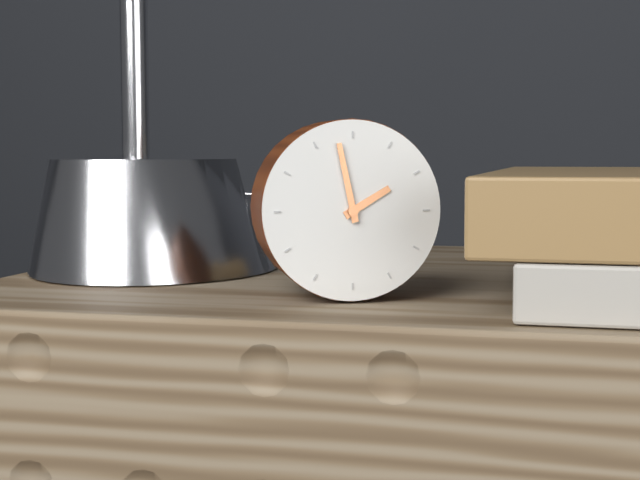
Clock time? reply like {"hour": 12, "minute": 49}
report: {"hour": 1, "minute": 58}
